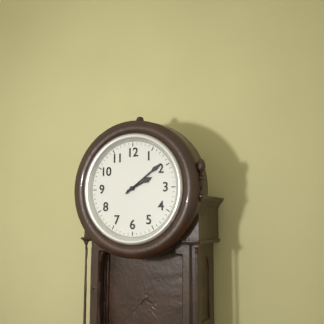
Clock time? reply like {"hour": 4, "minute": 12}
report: {"hour": 2, "minute": 9}
